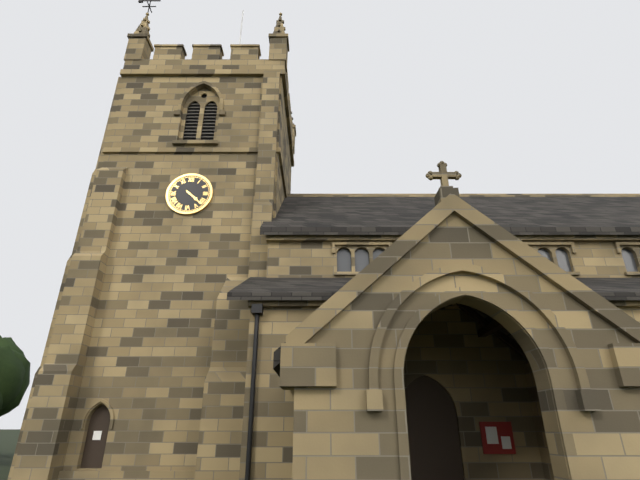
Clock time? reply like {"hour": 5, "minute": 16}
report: {"hour": 4, "minute": 22}
